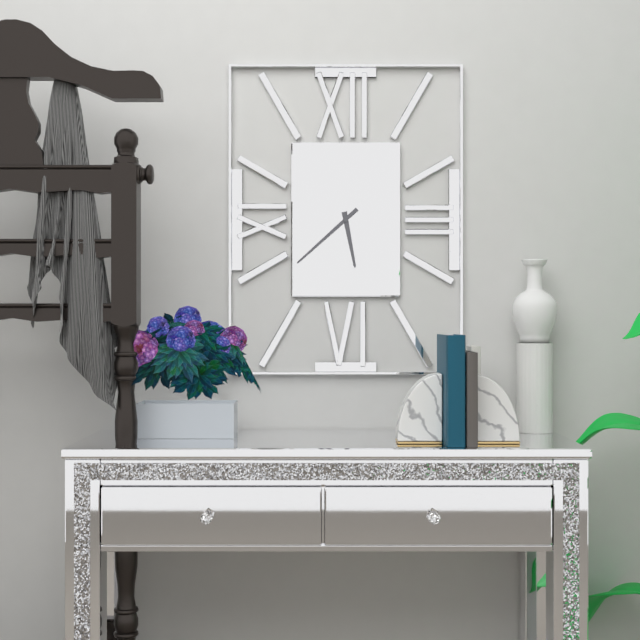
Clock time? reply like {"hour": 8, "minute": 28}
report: {"hour": 5, "minute": 38}
